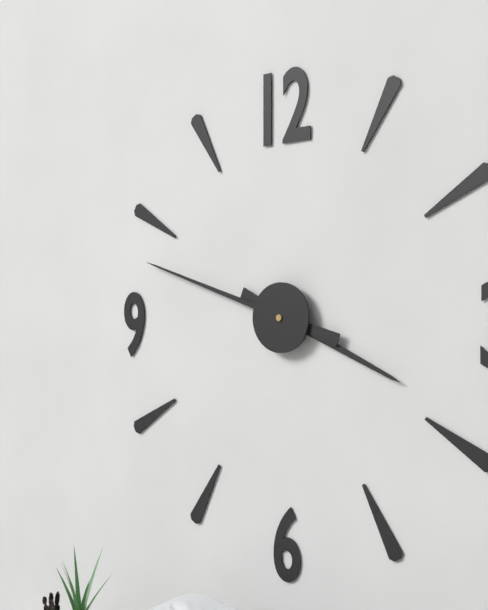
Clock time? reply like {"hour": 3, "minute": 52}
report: {"hour": 3, "minute": 48}
